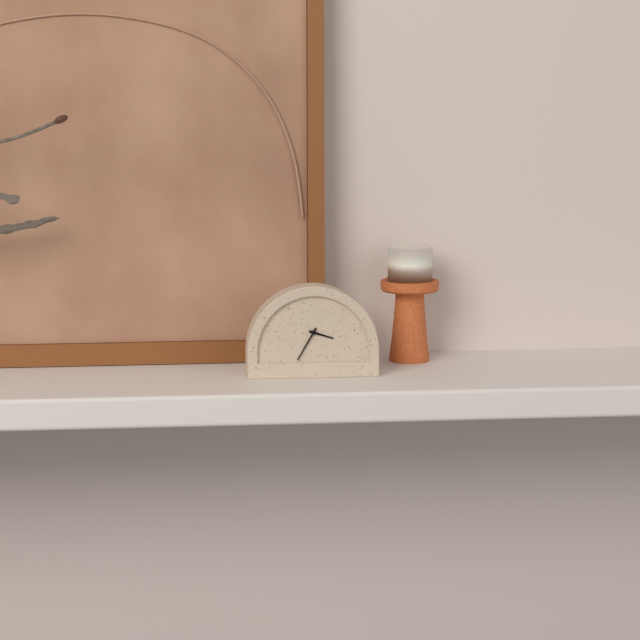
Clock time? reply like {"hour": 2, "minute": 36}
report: {"hour": 3, "minute": 35}
